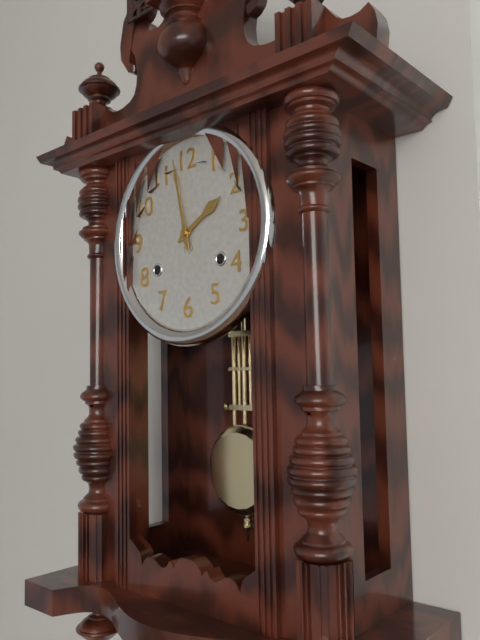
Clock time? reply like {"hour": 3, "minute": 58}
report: {"hour": 1, "minute": 58}
